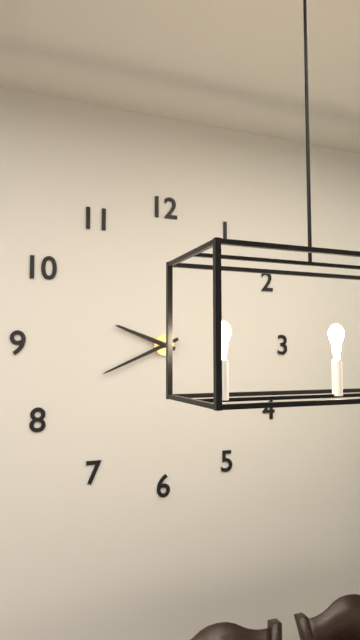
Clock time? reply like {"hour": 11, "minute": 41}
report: {"hour": 9, "minute": 41}
